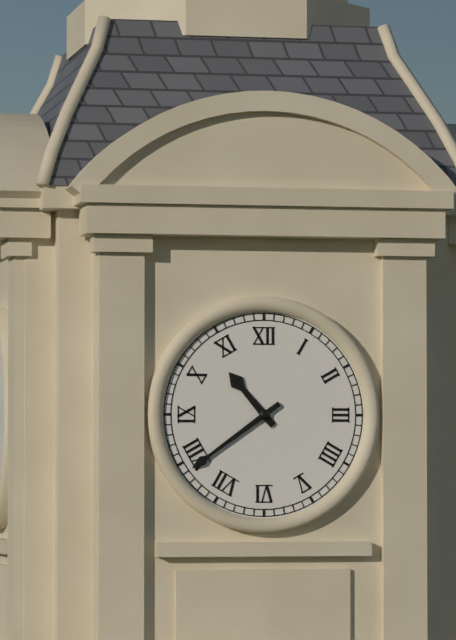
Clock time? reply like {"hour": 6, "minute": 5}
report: {"hour": 10, "minute": 39}
